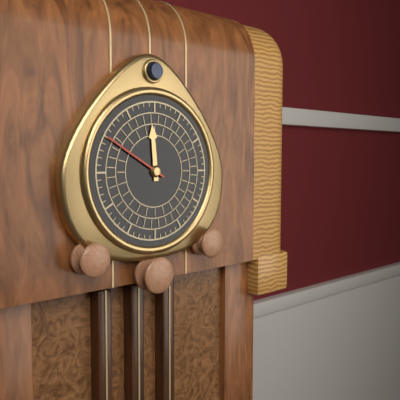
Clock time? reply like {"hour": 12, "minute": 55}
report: {"hour": 11, "minute": 50}
